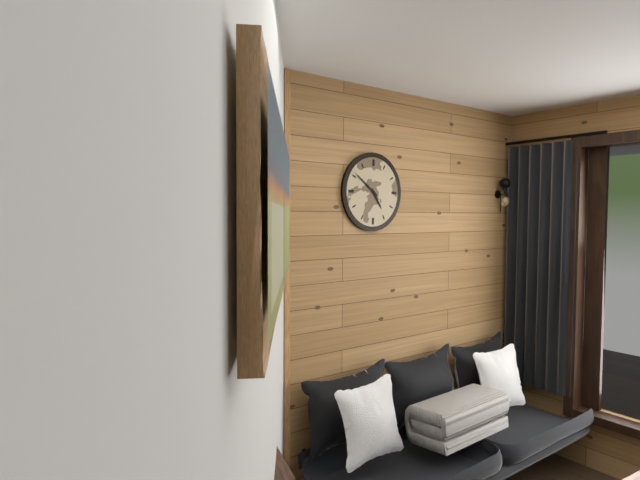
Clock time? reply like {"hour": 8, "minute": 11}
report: {"hour": 4, "minute": 51}
